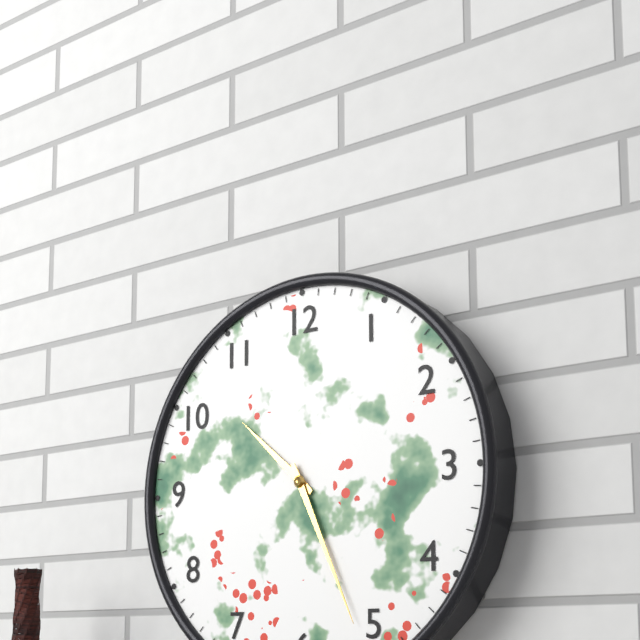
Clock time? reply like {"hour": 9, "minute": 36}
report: {"hour": 10, "minute": 26}
